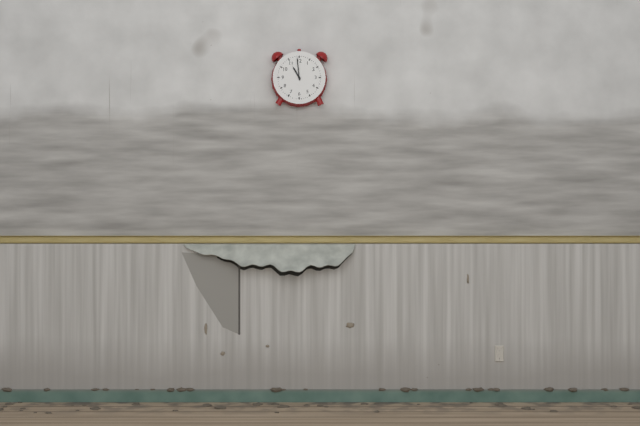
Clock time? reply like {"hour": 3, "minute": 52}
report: {"hour": 10, "minute": 59}
